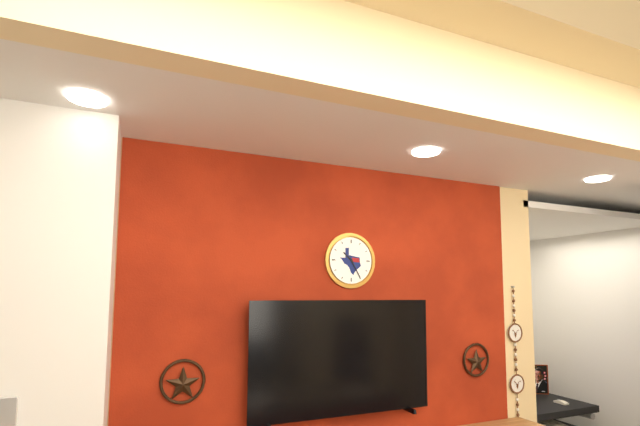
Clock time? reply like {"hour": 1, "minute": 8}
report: {"hour": 10, "minute": 25}
